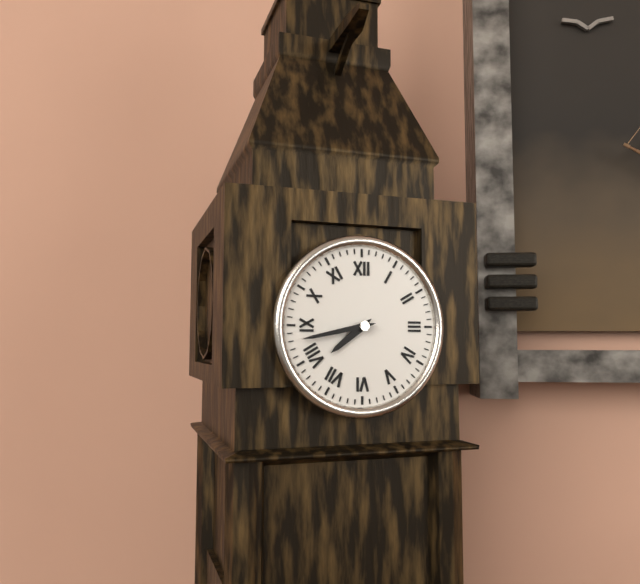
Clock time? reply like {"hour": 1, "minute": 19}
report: {"hour": 7, "minute": 43}
